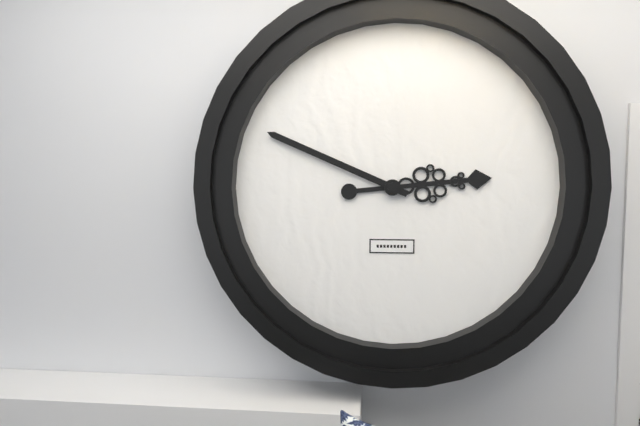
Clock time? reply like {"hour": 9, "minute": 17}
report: {"hour": 2, "minute": 49}
